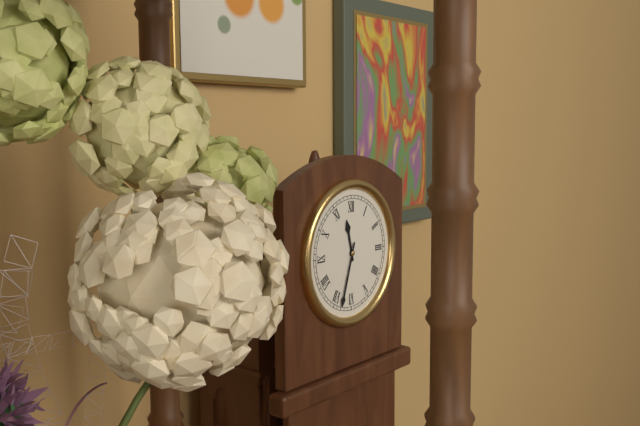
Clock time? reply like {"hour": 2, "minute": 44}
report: {"hour": 11, "minute": 33}
